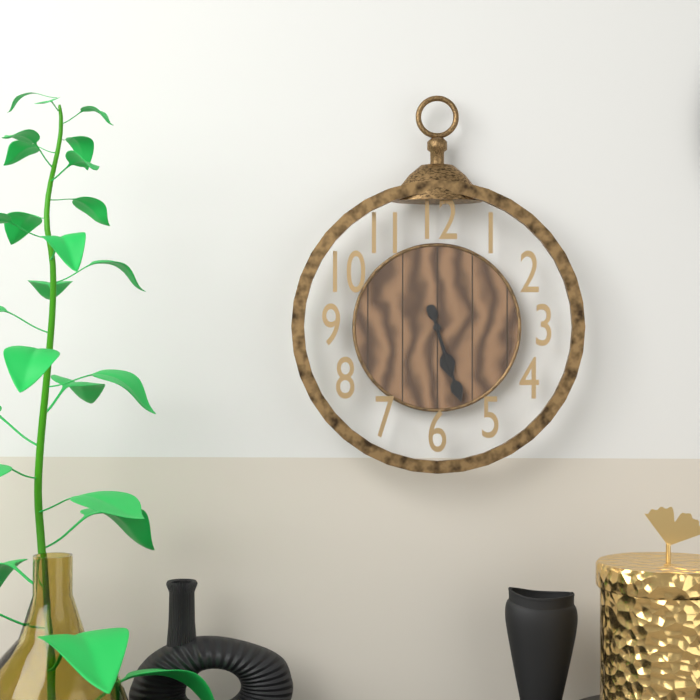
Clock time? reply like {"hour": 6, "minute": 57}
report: {"hour": 5, "minute": 27}
